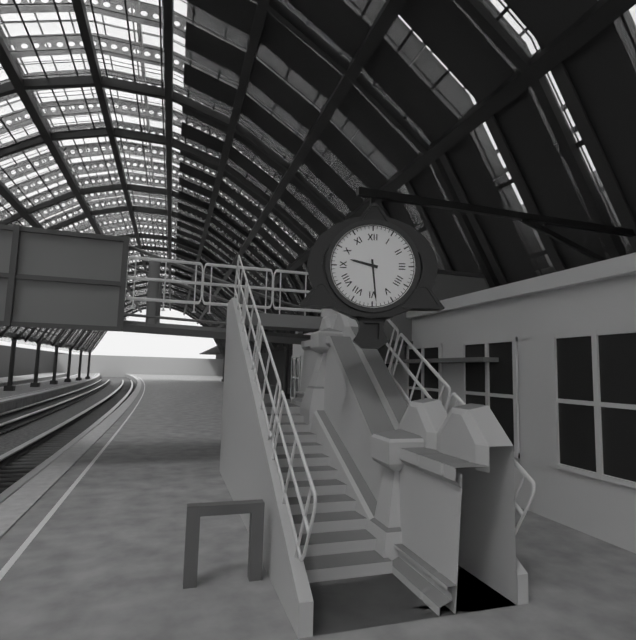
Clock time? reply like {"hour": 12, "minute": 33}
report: {"hour": 9, "minute": 29}
